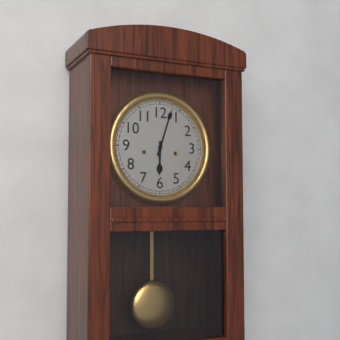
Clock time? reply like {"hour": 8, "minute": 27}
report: {"hour": 6, "minute": 3}
